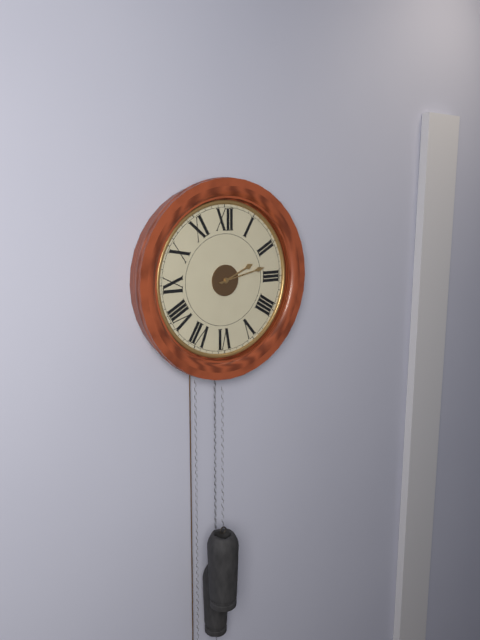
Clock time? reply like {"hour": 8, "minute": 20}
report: {"hour": 2, "minute": 13}
